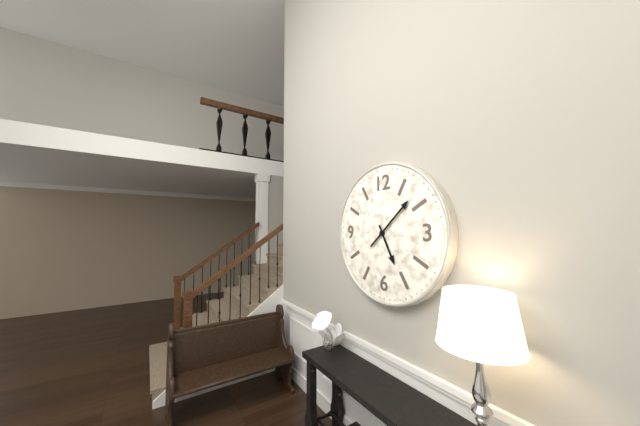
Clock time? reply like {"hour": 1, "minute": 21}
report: {"hour": 5, "minute": 8}
